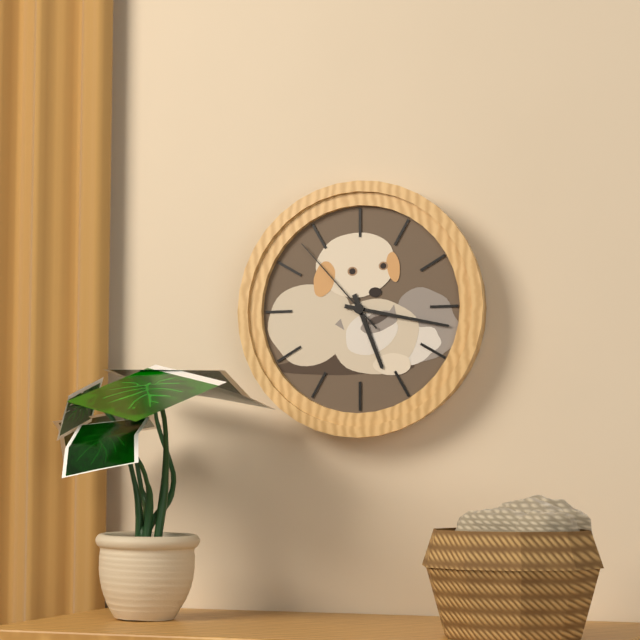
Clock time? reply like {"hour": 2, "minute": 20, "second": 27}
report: {"hour": 5, "minute": 17, "second": 53}
